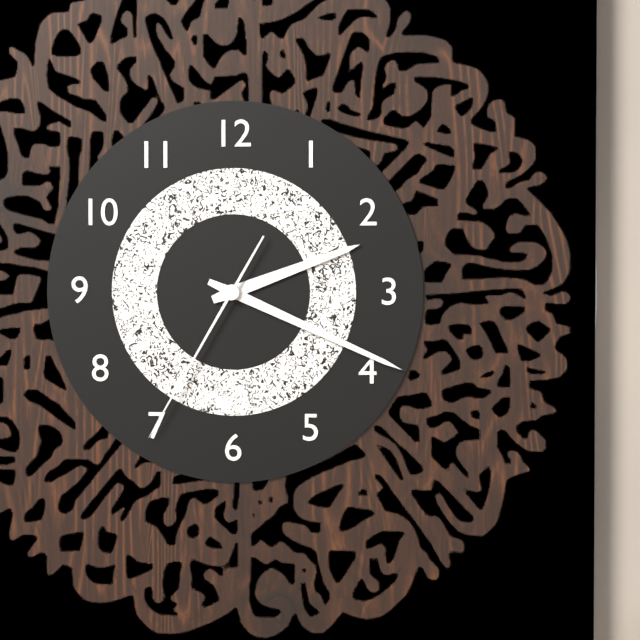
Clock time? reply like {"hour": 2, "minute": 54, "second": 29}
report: {"hour": 2, "minute": 19, "second": 35}
